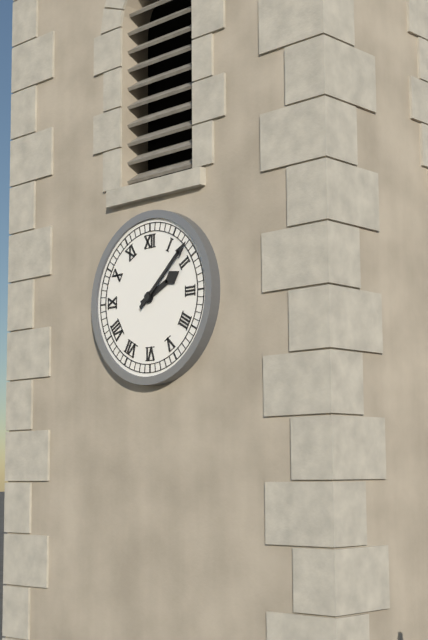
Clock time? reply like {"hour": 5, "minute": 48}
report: {"hour": 2, "minute": 8}
